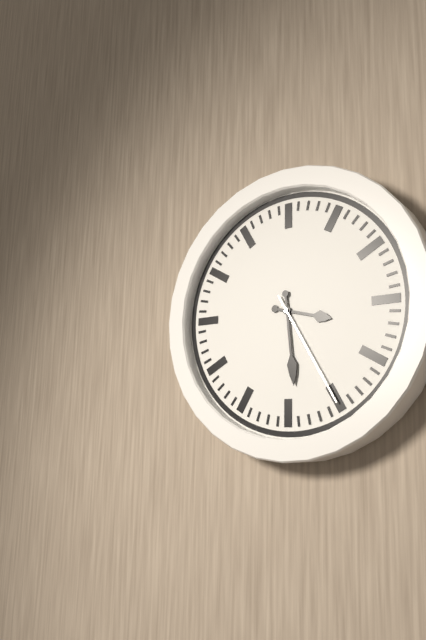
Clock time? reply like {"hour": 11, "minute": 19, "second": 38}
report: {"hour": 3, "minute": 29, "second": 25}
